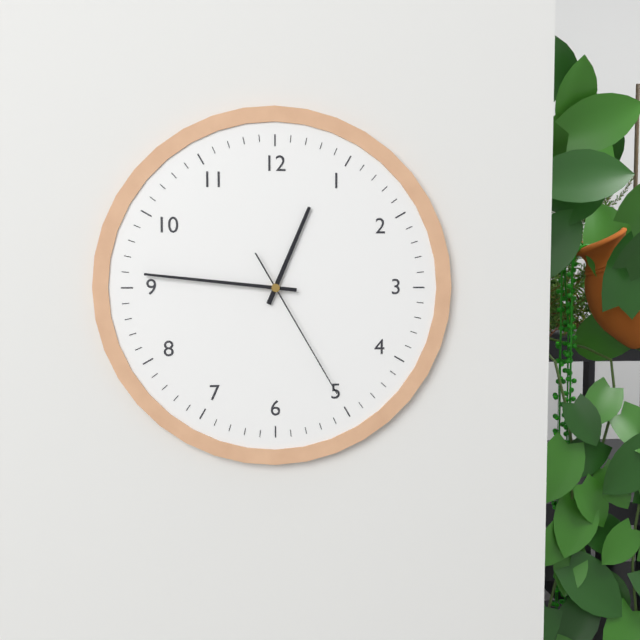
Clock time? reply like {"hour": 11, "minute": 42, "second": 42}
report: {"hour": 12, "minute": 46, "second": 25}
